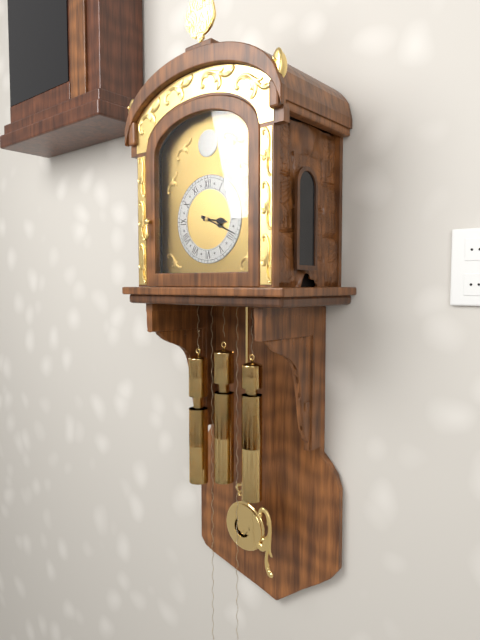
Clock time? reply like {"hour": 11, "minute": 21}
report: {"hour": 3, "minute": 19}
